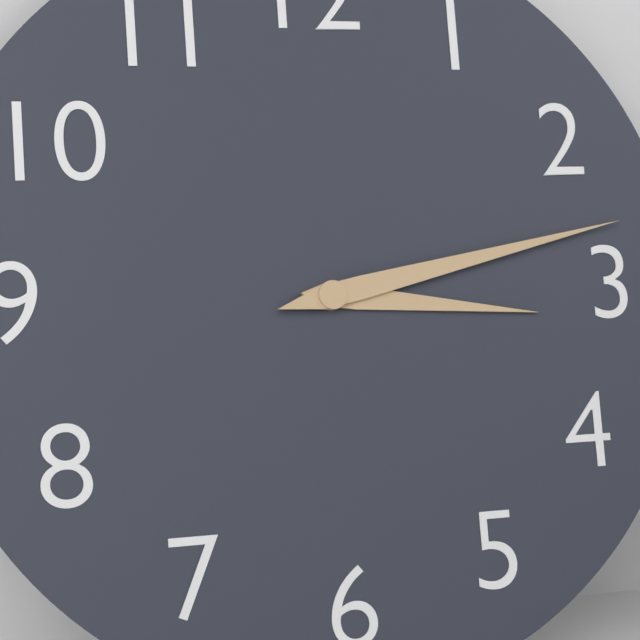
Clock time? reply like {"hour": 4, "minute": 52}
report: {"hour": 3, "minute": 13}
